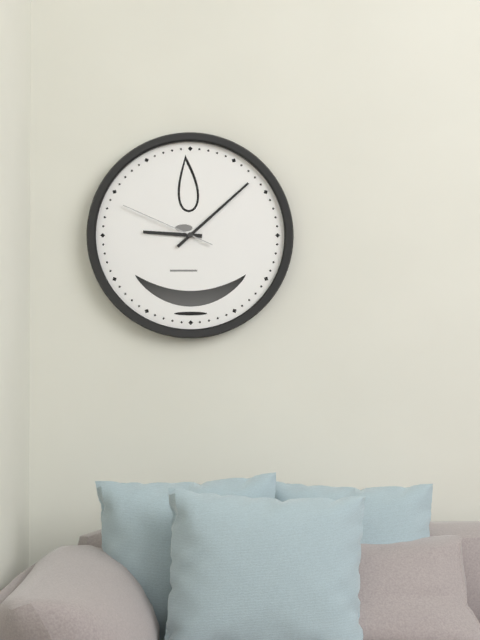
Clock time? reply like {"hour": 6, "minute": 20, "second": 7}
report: {"hour": 9, "minute": 8, "second": 49}
